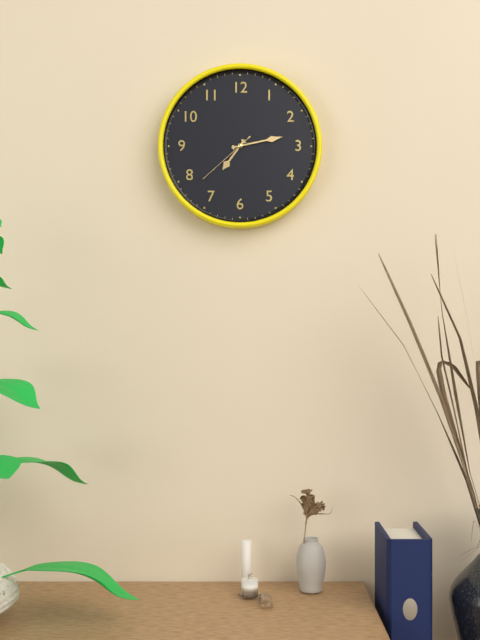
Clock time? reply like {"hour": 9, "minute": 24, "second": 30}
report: {"hour": 7, "minute": 13, "second": 38}
